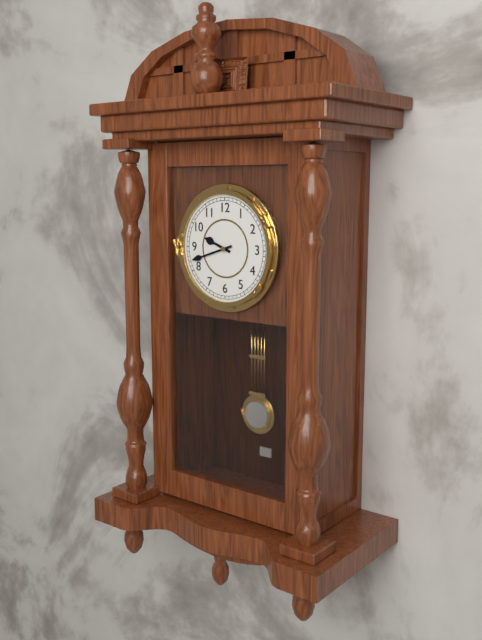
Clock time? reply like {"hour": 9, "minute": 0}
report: {"hour": 9, "minute": 42}
